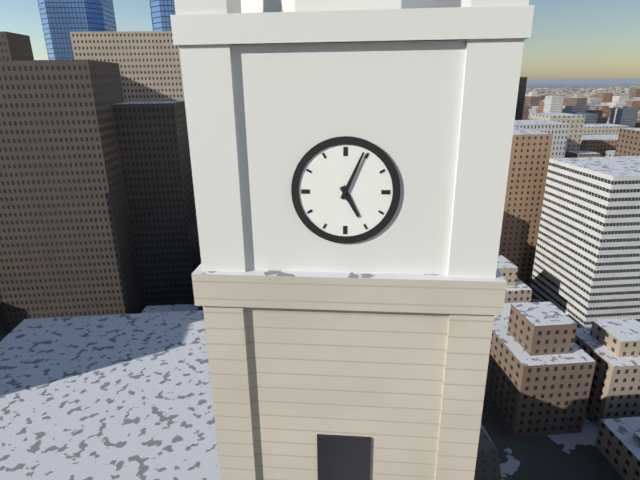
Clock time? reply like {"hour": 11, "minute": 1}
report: {"hour": 5, "minute": 4}
